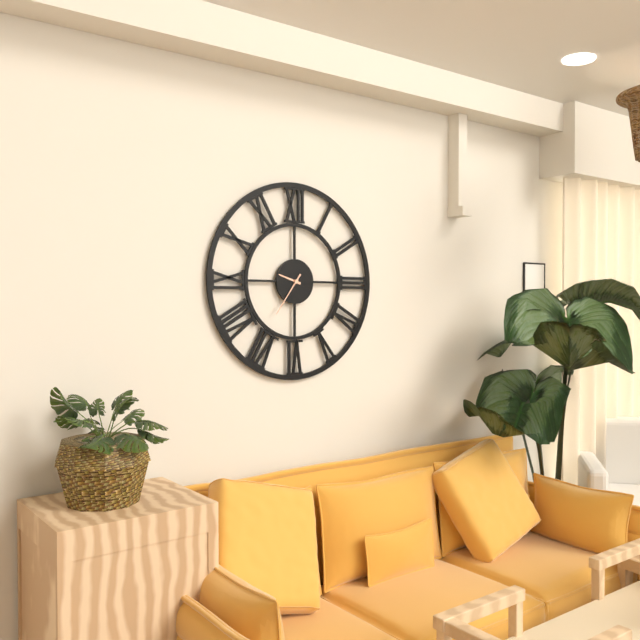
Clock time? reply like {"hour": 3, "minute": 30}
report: {"hour": 9, "minute": 36}
